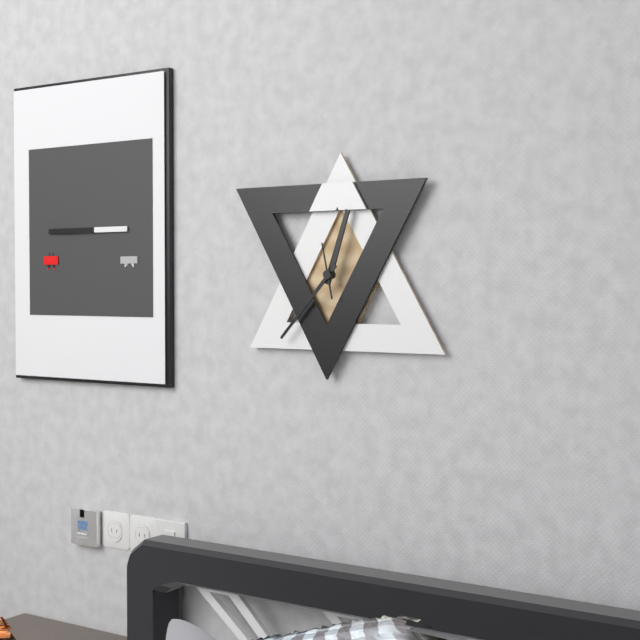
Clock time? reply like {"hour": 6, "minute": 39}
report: {"hour": 12, "minute": 37}
